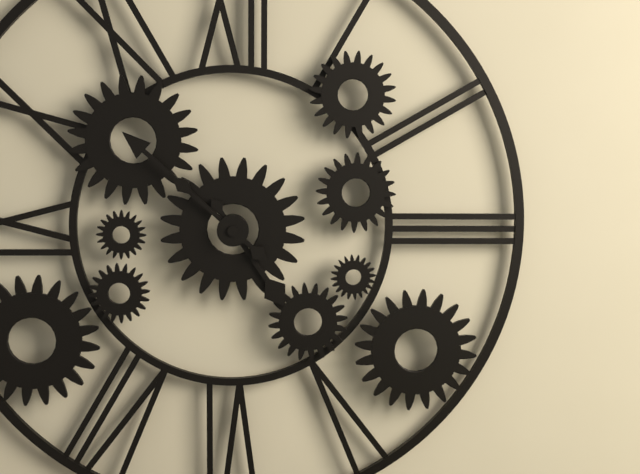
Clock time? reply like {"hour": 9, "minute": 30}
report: {"hour": 4, "minute": 52}
